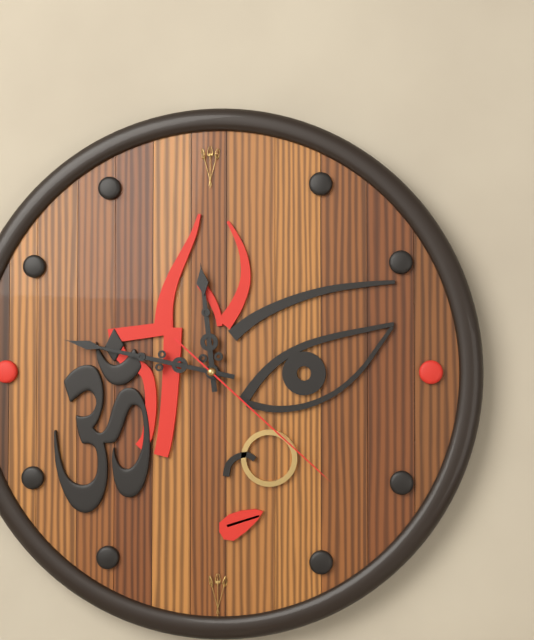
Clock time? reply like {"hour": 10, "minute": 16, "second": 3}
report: {"hour": 11, "minute": 47, "second": 22}
